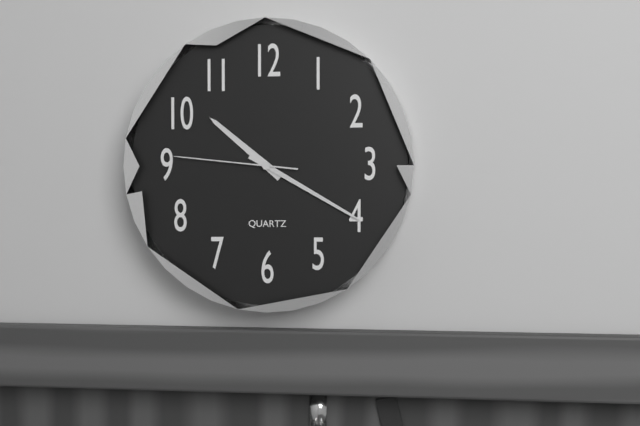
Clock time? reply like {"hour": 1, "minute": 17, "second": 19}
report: {"hour": 10, "minute": 20, "second": 46}
